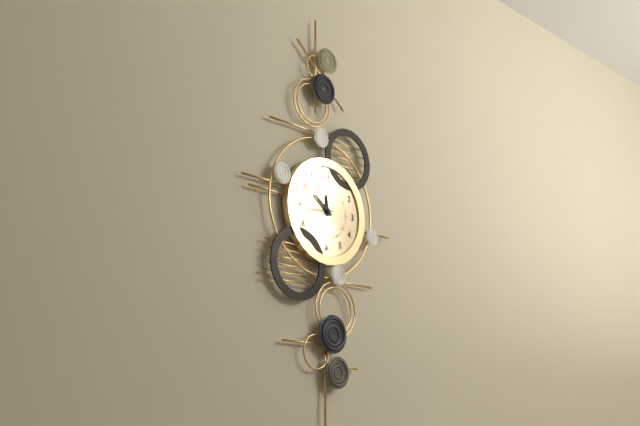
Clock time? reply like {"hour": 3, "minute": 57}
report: {"hour": 11, "minute": 51}
